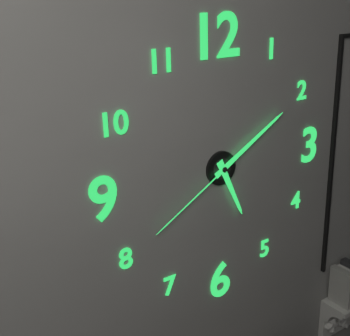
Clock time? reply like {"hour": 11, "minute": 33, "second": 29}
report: {"hour": 5, "minute": 10, "second": 40}
